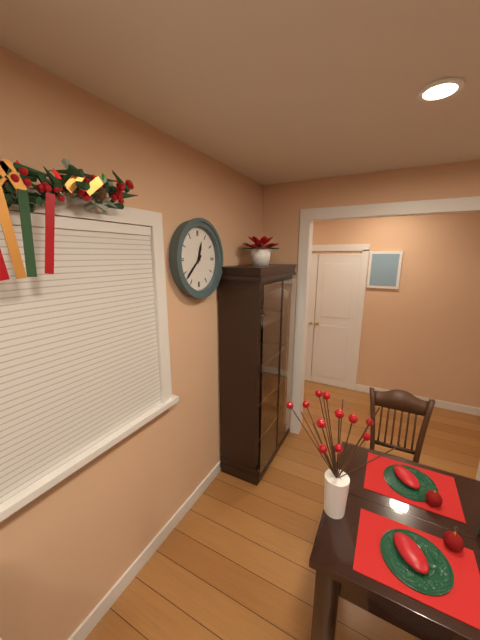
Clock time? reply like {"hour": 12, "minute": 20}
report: {"hour": 12, "minute": 38}
